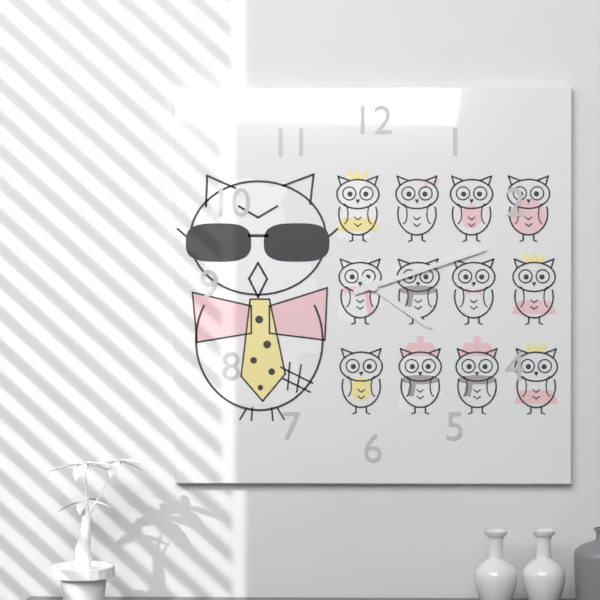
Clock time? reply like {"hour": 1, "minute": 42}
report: {"hour": 4, "minute": 12}
